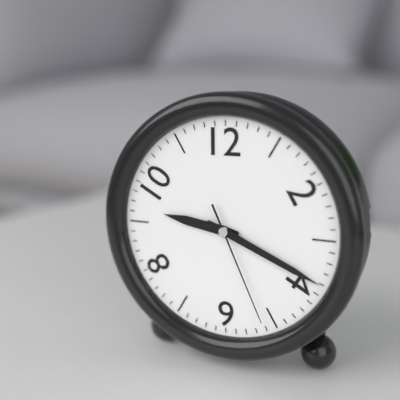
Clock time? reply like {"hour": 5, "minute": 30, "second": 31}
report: {"hour": 9, "minute": 19, "second": 26}
